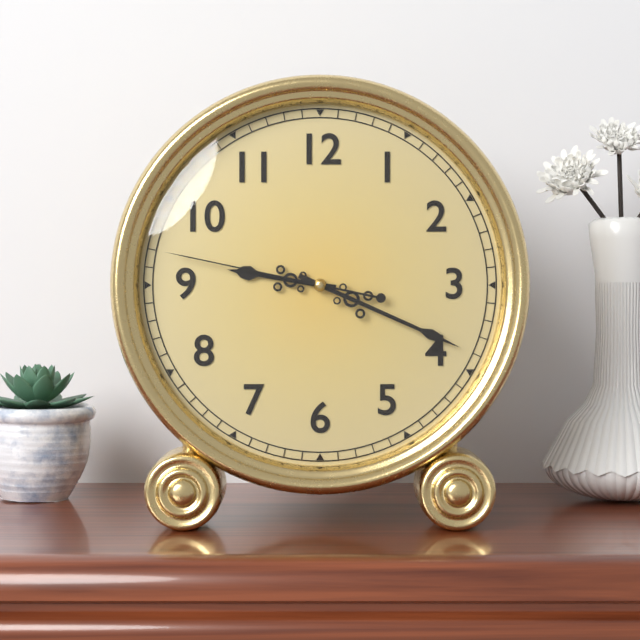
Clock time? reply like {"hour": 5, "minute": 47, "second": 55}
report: {"hour": 9, "minute": 19, "second": 47}
